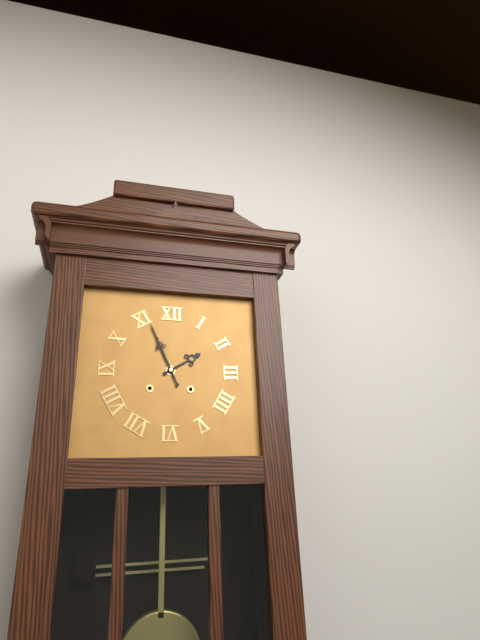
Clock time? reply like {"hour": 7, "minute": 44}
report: {"hour": 1, "minute": 56}
